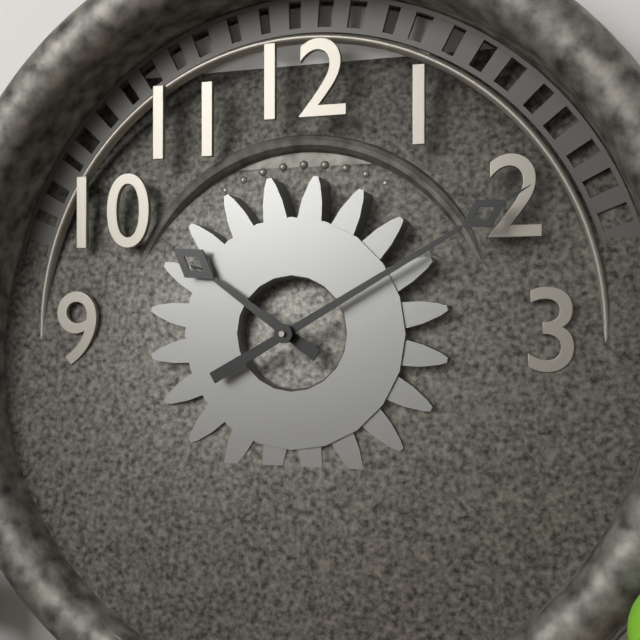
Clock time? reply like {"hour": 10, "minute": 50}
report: {"hour": 10, "minute": 10}
